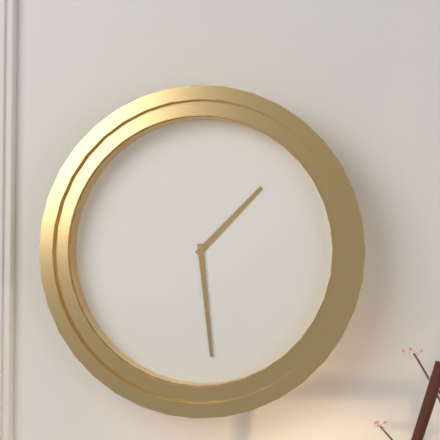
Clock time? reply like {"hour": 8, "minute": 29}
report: {"hour": 1, "minute": 29}
